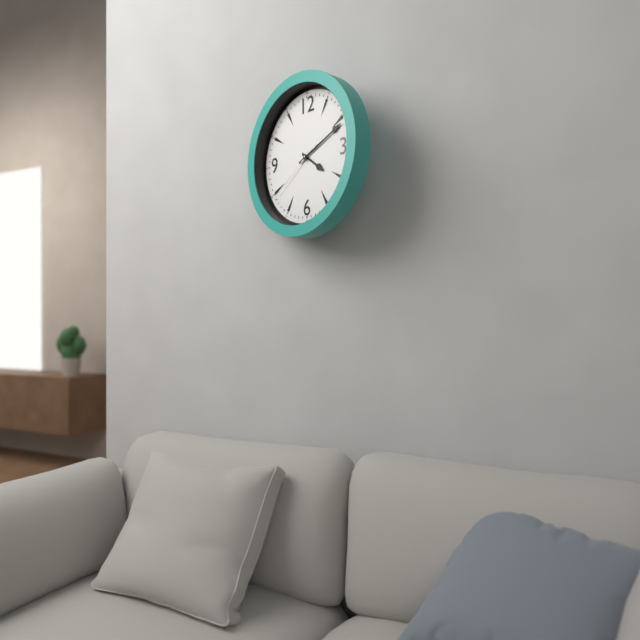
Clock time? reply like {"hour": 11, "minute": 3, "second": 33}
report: {"hour": 4, "minute": 11, "second": 39}
